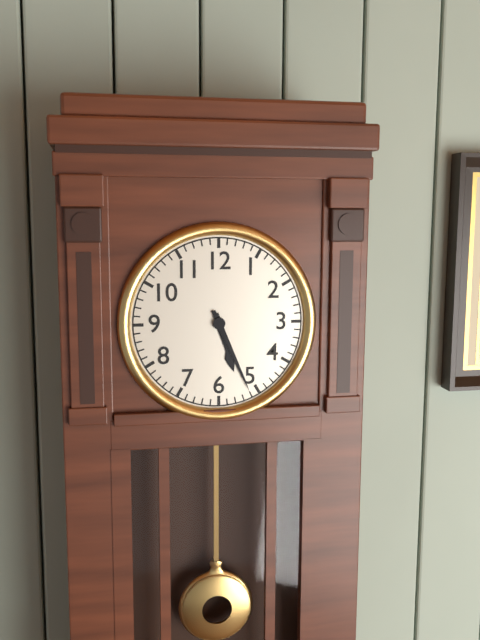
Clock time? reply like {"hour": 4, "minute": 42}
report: {"hour": 5, "minute": 26}
